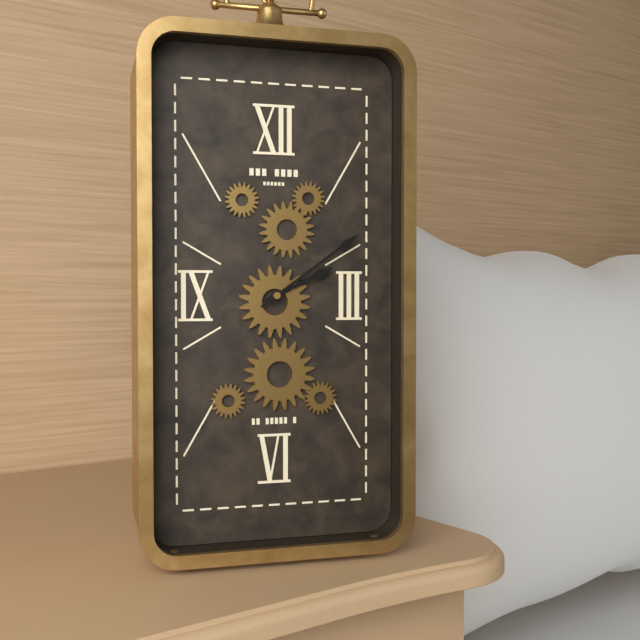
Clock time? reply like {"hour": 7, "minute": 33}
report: {"hour": 2, "minute": 9}
